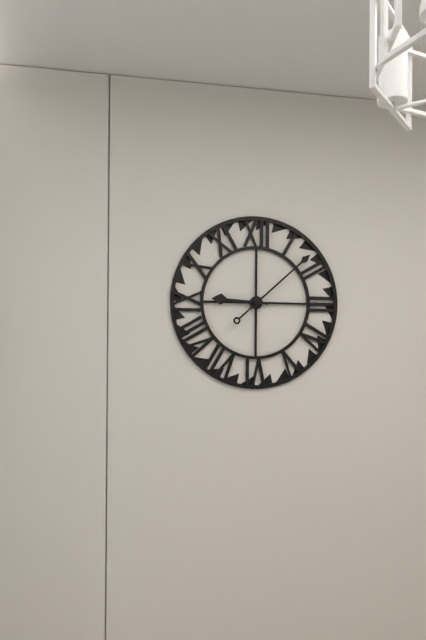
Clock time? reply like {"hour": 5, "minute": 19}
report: {"hour": 9, "minute": 8}
